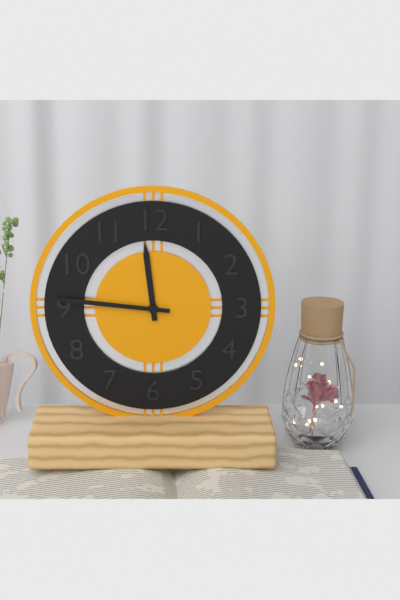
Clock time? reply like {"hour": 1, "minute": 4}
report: {"hour": 11, "minute": 46}
